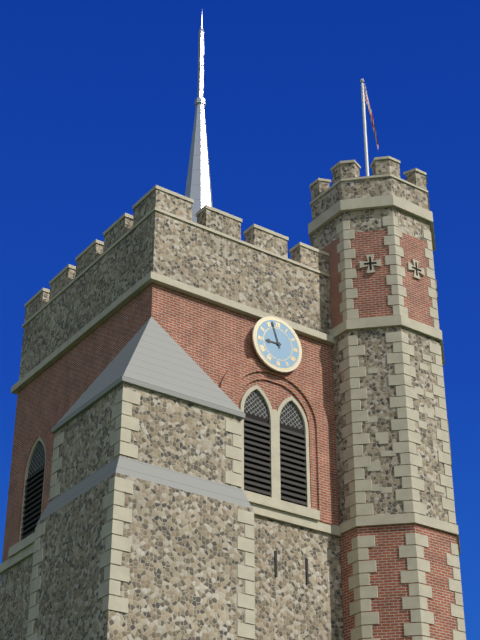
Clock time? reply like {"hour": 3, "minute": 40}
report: {"hour": 8, "minute": 57}
